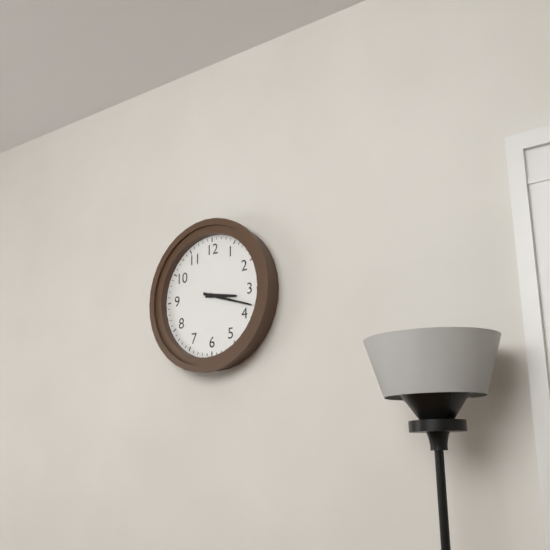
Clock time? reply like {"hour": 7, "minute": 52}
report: {"hour": 3, "minute": 18}
